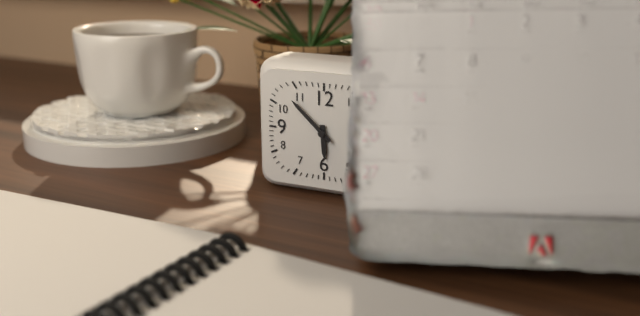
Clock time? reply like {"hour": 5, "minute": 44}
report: {"hour": 5, "minute": 52}
